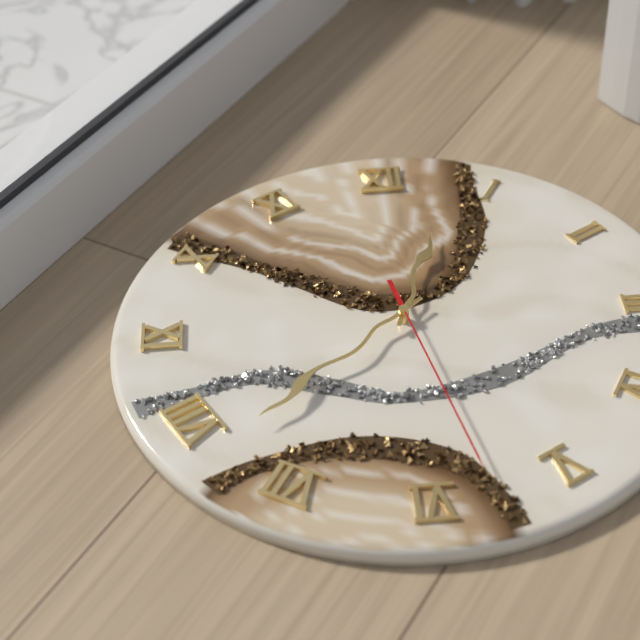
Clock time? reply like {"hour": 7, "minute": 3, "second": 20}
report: {"hour": 12, "minute": 38, "second": 28}
